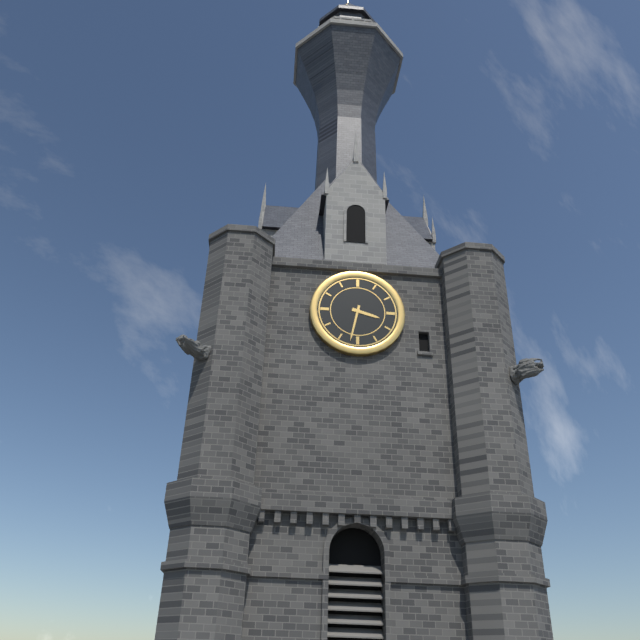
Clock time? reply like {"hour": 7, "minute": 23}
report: {"hour": 3, "minute": 32}
